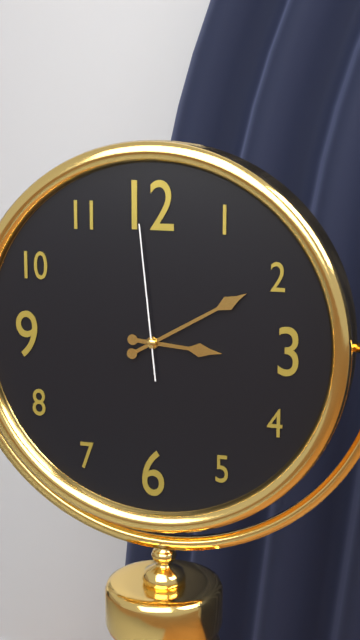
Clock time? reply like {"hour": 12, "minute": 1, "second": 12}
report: {"hour": 3, "minute": 10, "second": 59}
